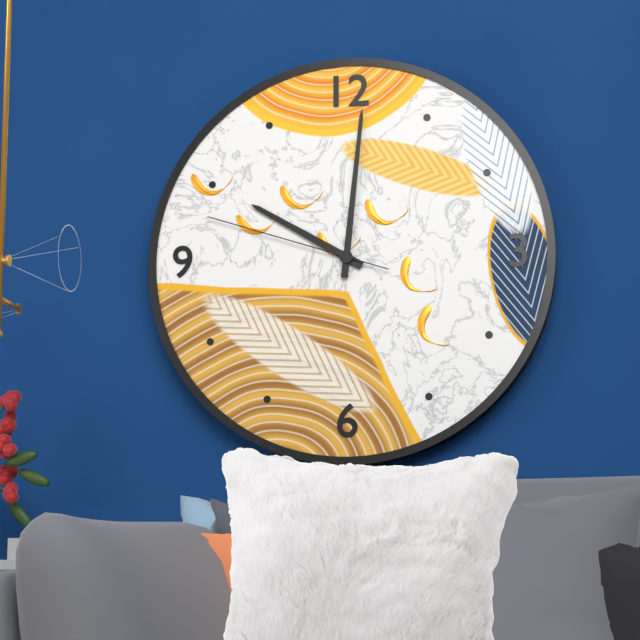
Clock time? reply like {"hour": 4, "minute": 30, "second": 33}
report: {"hour": 10, "minute": 1, "second": 48}
